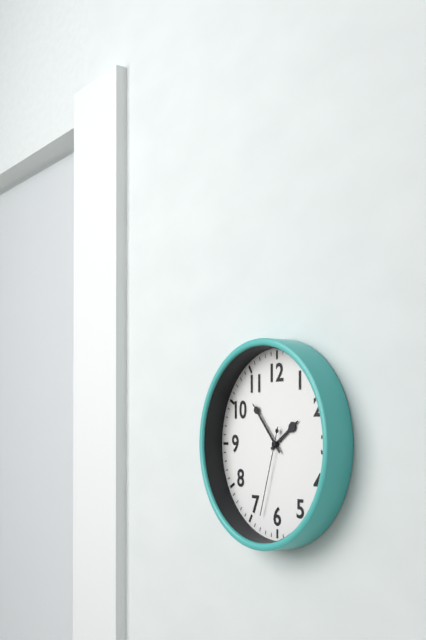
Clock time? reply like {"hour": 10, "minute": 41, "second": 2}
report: {"hour": 1, "minute": 53, "second": 33}
